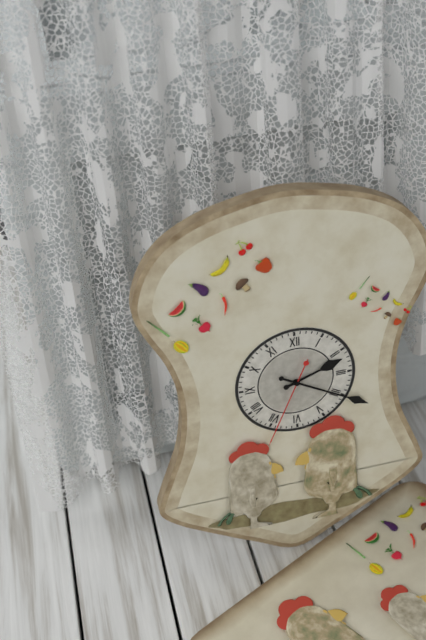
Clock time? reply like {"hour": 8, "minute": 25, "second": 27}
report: {"hour": 2, "minute": 20, "second": 34}
